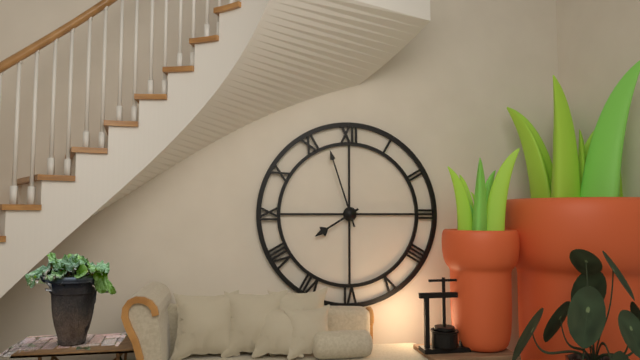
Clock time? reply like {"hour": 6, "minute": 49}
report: {"hour": 7, "minute": 57}
